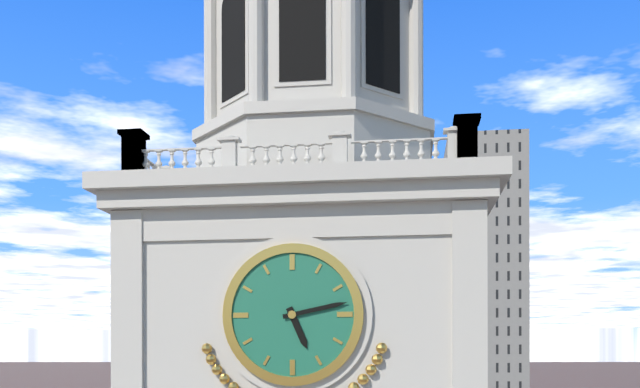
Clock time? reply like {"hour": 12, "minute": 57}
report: {"hour": 5, "minute": 13}
